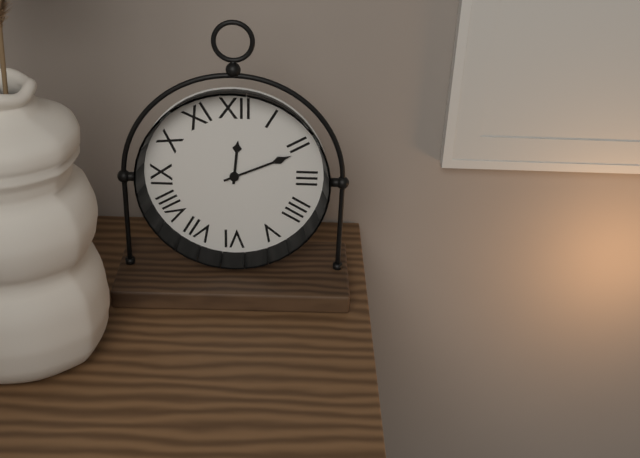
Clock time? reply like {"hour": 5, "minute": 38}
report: {"hour": 12, "minute": 11}
